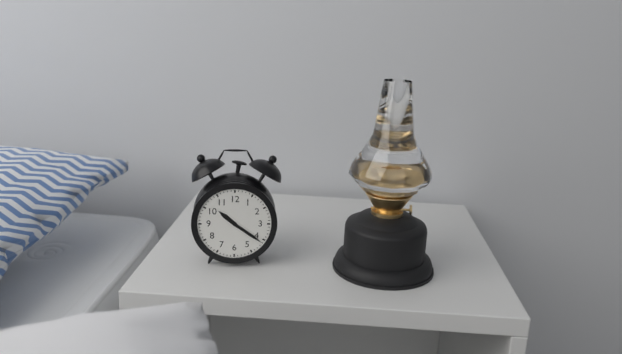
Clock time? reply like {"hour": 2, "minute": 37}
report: {"hour": 10, "minute": 21}
